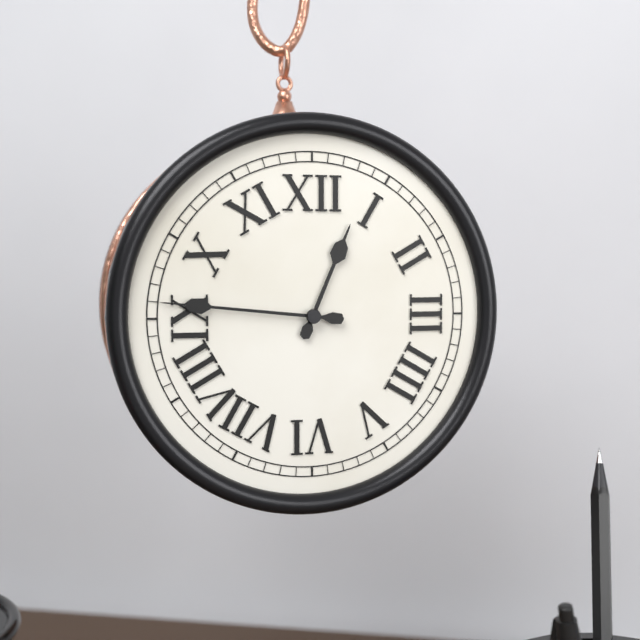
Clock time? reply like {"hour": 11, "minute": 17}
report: {"hour": 12, "minute": 46}
